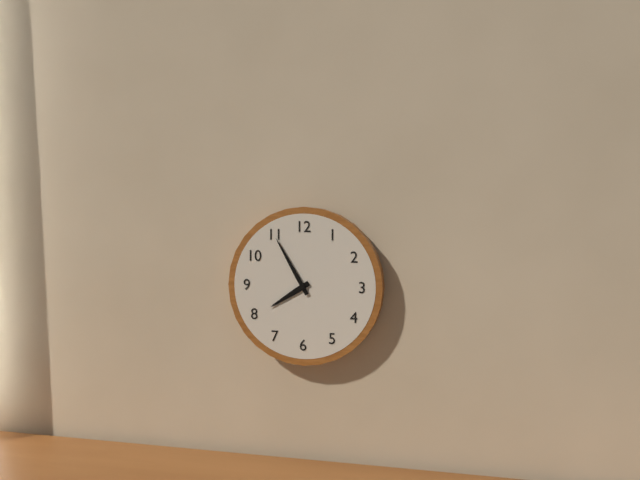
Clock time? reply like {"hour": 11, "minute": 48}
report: {"hour": 7, "minute": 55}
